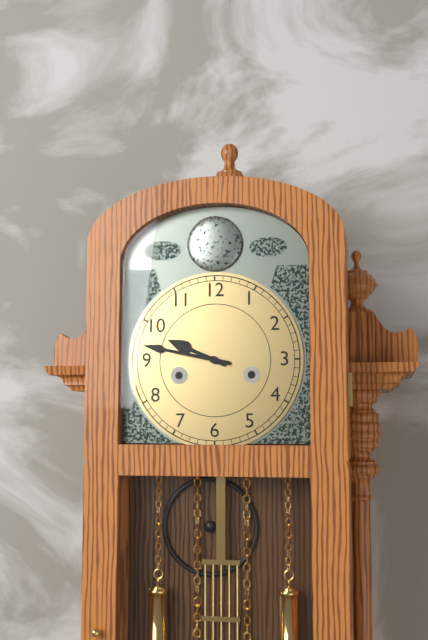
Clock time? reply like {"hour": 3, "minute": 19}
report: {"hour": 9, "minute": 47}
